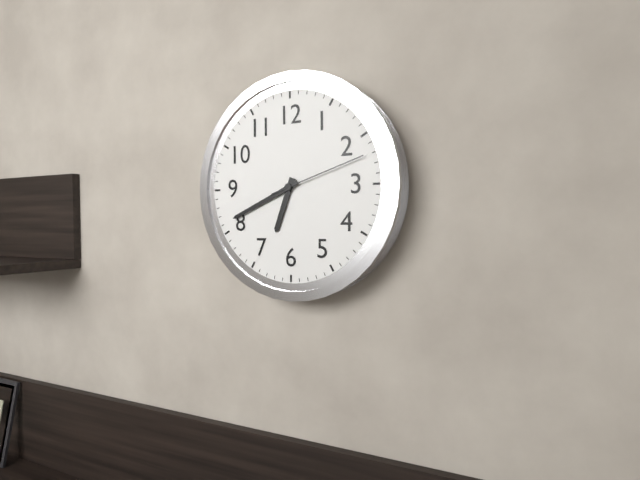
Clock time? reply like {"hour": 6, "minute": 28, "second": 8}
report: {"hour": 6, "minute": 41, "second": 12}
